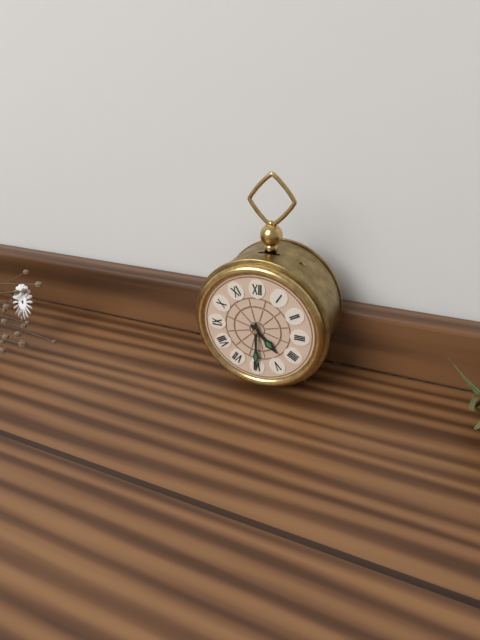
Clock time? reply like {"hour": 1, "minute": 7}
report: {"hour": 4, "minute": 30}
